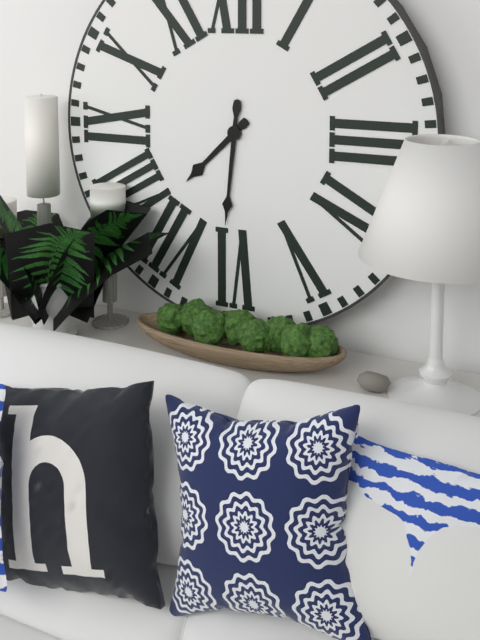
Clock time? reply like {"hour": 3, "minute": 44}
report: {"hour": 7, "minute": 31}
